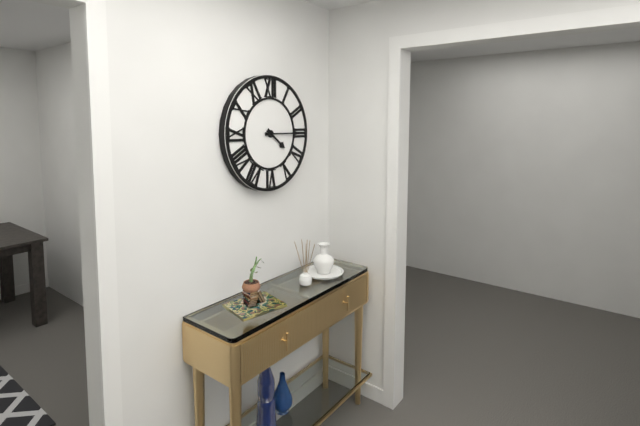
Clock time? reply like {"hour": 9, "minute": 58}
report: {"hour": 4, "minute": 15}
